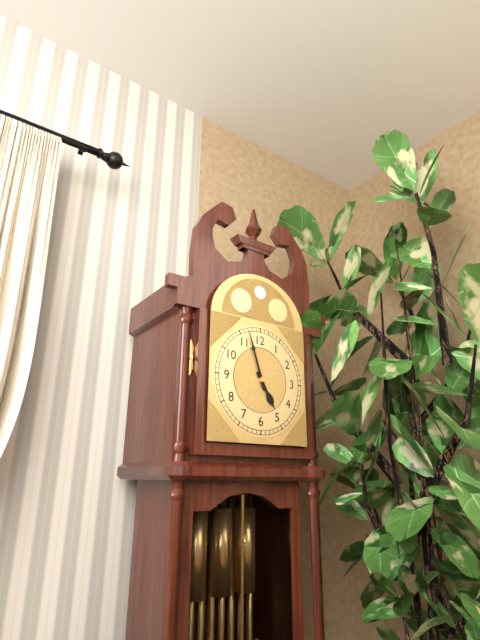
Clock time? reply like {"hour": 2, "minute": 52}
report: {"hour": 4, "minute": 57}
